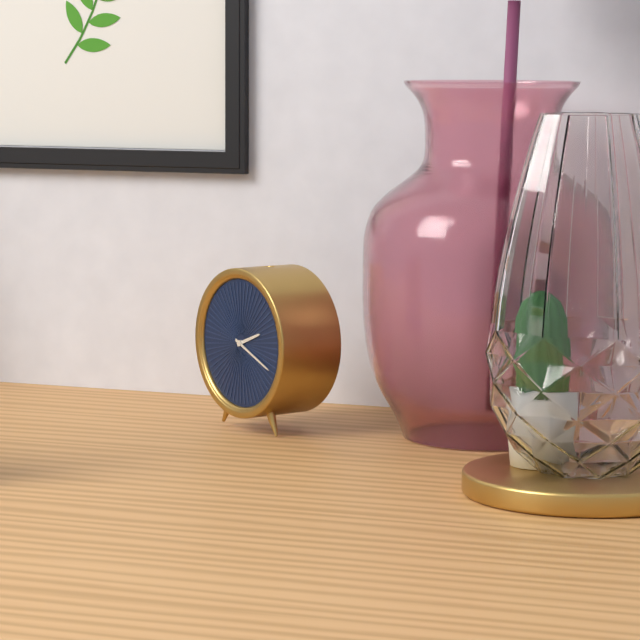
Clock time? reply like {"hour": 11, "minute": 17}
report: {"hour": 2, "minute": 19}
